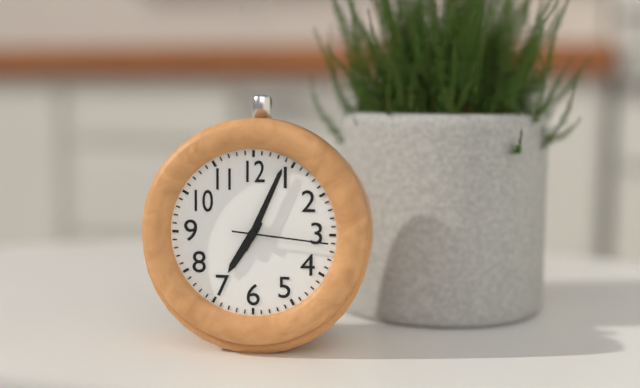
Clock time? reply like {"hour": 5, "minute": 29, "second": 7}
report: {"hour": 7, "minute": 4, "second": 16}
